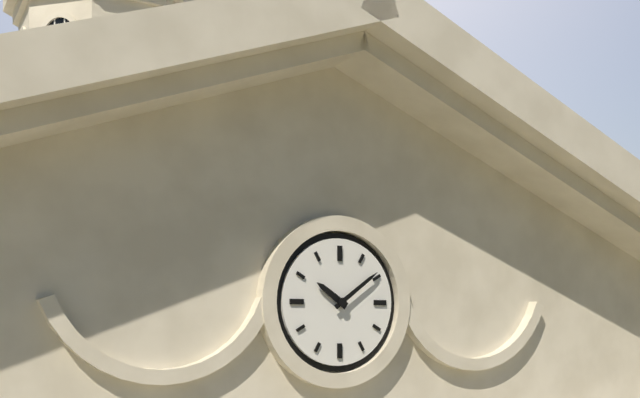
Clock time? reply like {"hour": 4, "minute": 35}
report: {"hour": 10, "minute": 9}
